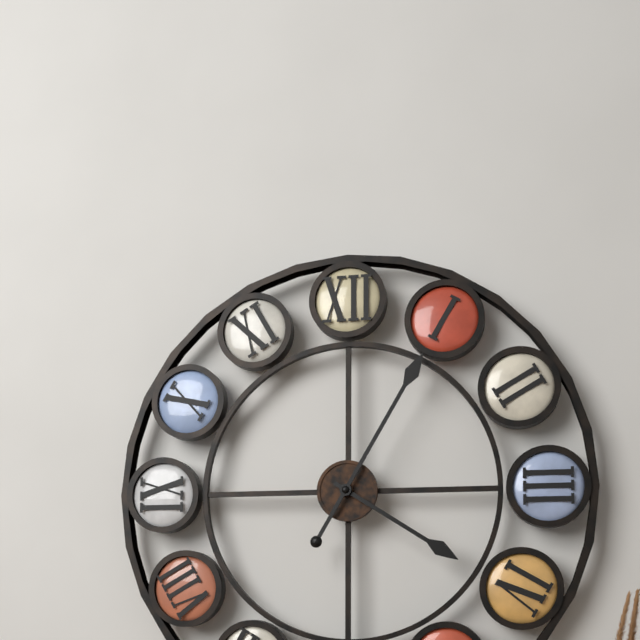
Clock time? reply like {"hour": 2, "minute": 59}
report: {"hour": 4, "minute": 5}
